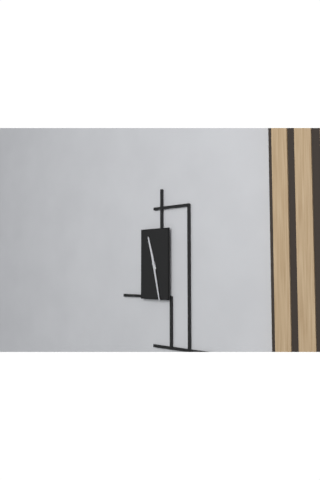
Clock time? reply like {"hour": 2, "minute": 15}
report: {"hour": 11, "minute": 28}
